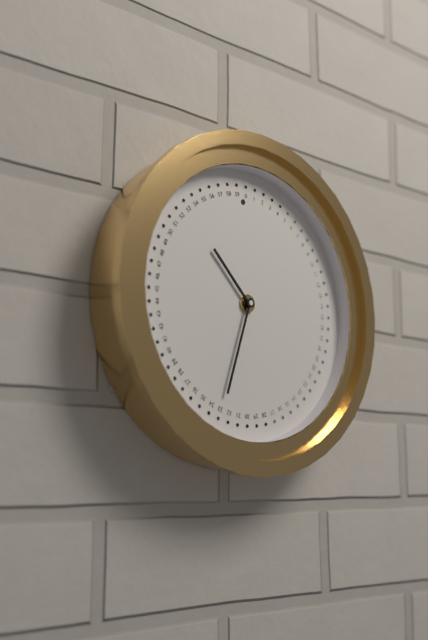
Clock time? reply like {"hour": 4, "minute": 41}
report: {"hour": 10, "minute": 33}
